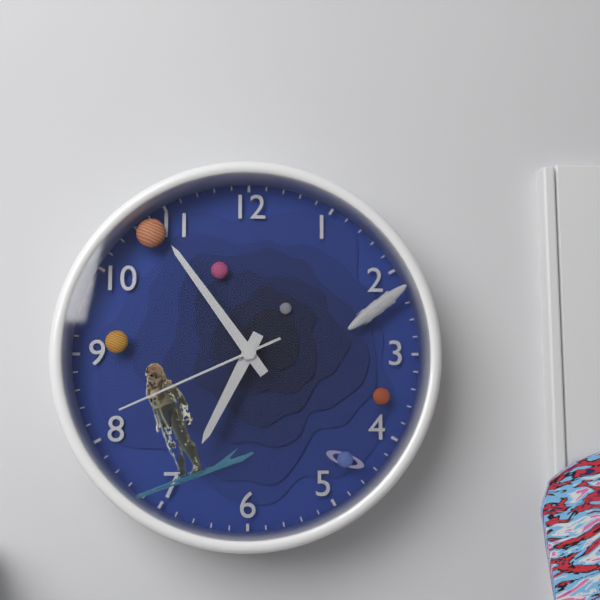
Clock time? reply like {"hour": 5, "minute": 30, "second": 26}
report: {"hour": 6, "minute": 54, "second": 41}
